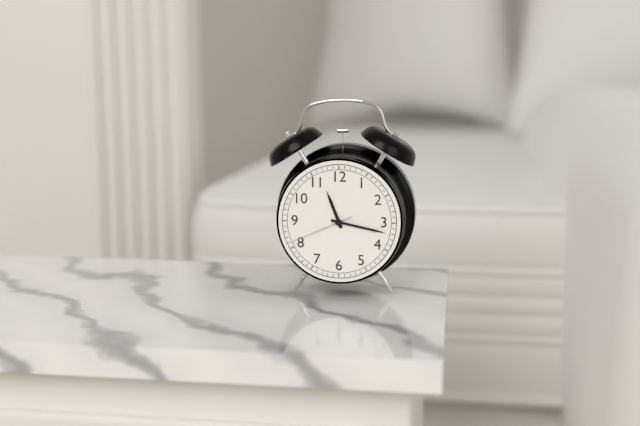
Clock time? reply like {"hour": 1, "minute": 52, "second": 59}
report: {"hour": 11, "minute": 17, "second": 41}
